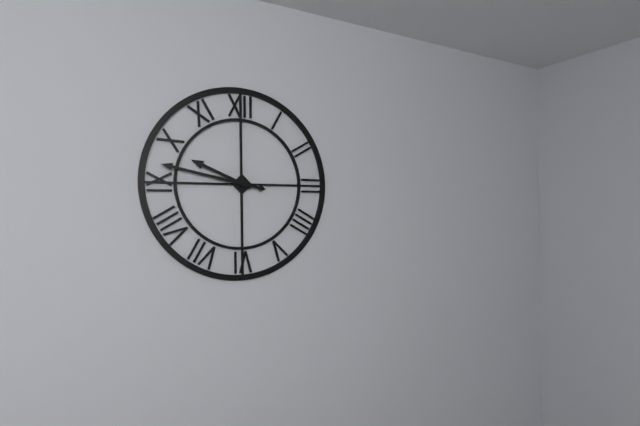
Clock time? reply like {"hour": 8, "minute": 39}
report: {"hour": 9, "minute": 47}
